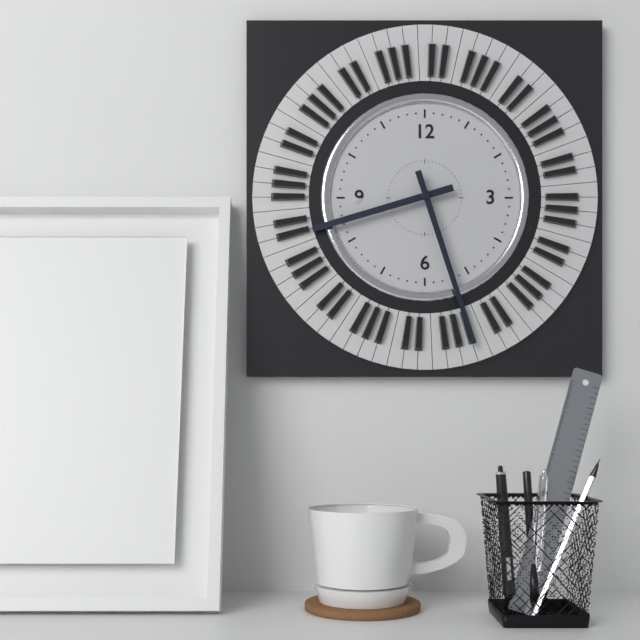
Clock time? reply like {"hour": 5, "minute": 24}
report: {"hour": 8, "minute": 27}
